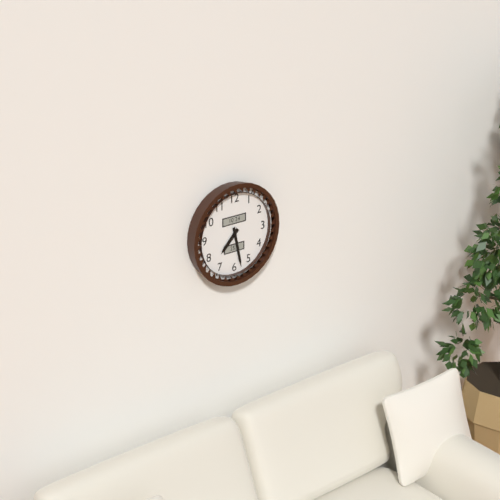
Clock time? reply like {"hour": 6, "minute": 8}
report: {"hour": 7, "minute": 28}
